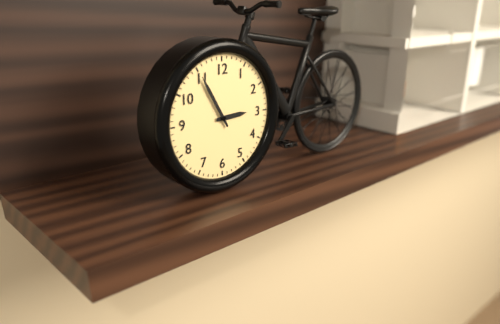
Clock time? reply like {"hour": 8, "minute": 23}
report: {"hour": 2, "minute": 55}
